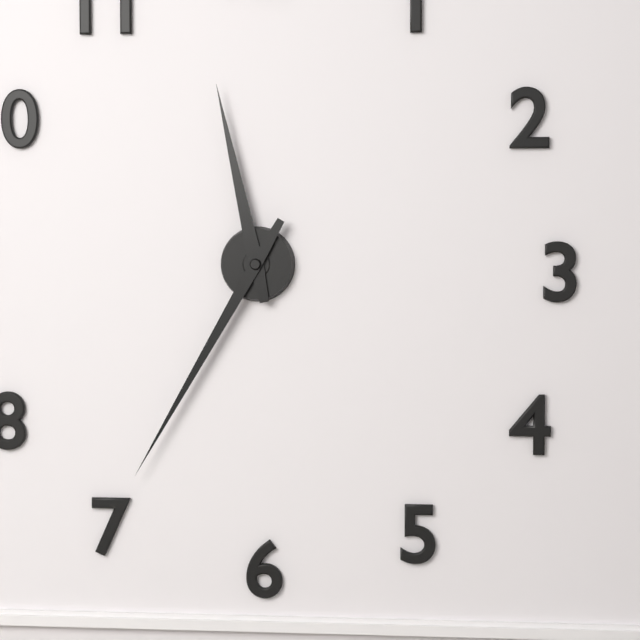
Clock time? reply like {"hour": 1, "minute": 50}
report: {"hour": 11, "minute": 35}
